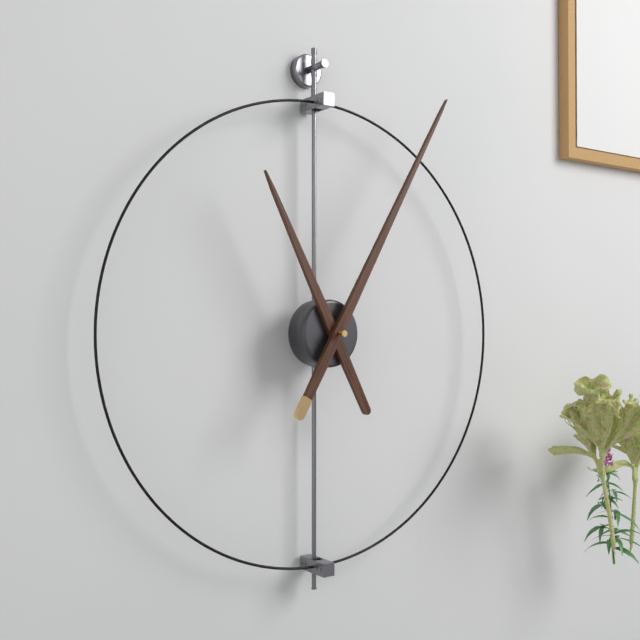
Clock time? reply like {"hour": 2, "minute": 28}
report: {"hour": 11, "minute": 5}
